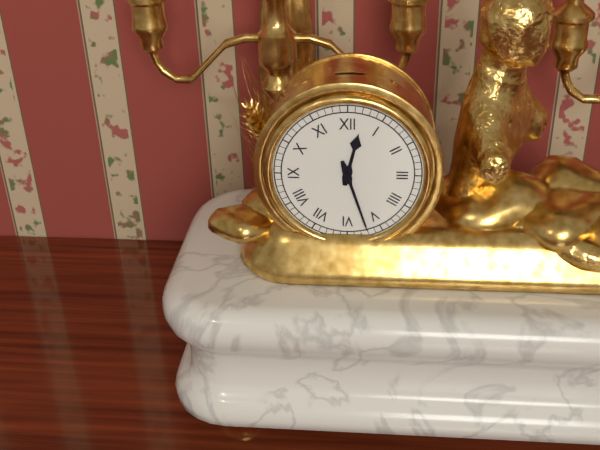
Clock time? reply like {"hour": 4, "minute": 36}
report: {"hour": 12, "minute": 27}
